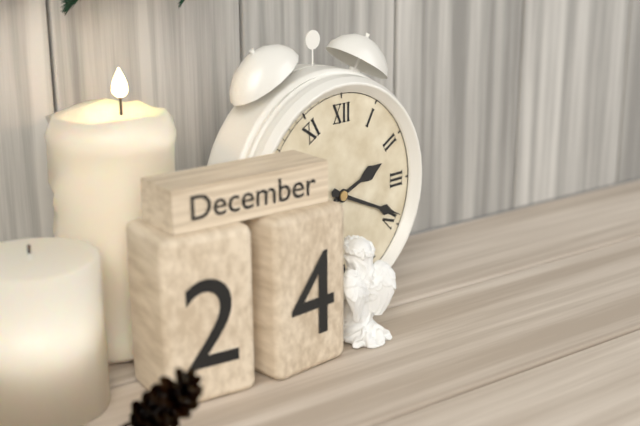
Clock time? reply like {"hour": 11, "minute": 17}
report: {"hour": 2, "minute": 19}
